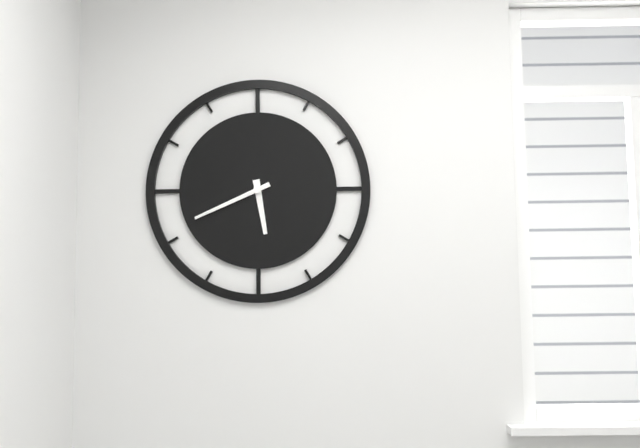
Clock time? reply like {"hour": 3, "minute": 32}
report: {"hour": 5, "minute": 41}
